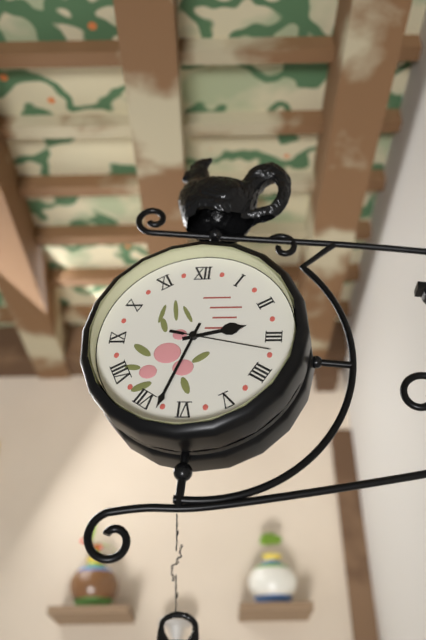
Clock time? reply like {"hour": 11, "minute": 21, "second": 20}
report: {"hour": 2, "minute": 33, "second": 17}
